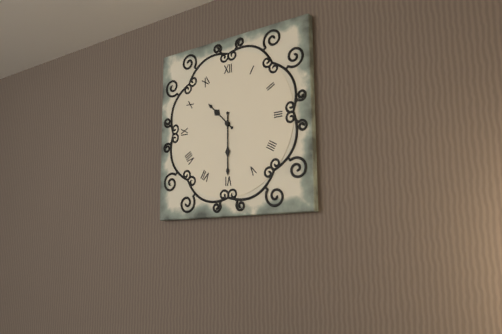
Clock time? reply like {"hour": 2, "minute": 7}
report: {"hour": 10, "minute": 30}
